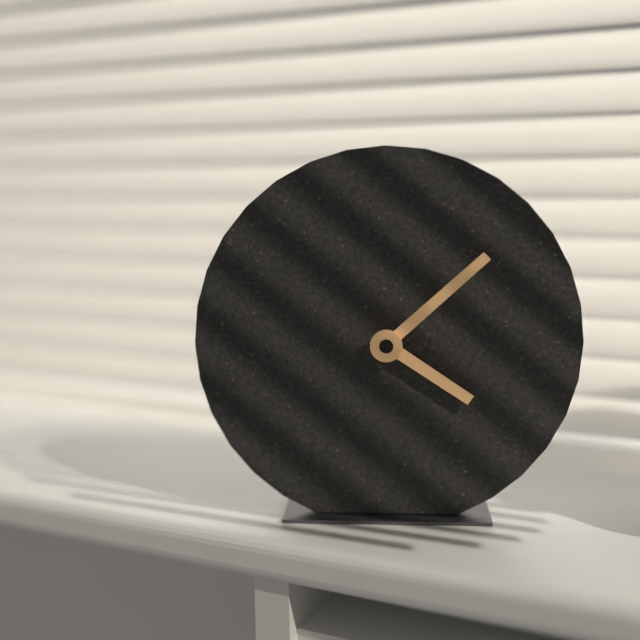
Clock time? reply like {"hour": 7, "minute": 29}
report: {"hour": 4, "minute": 8}
